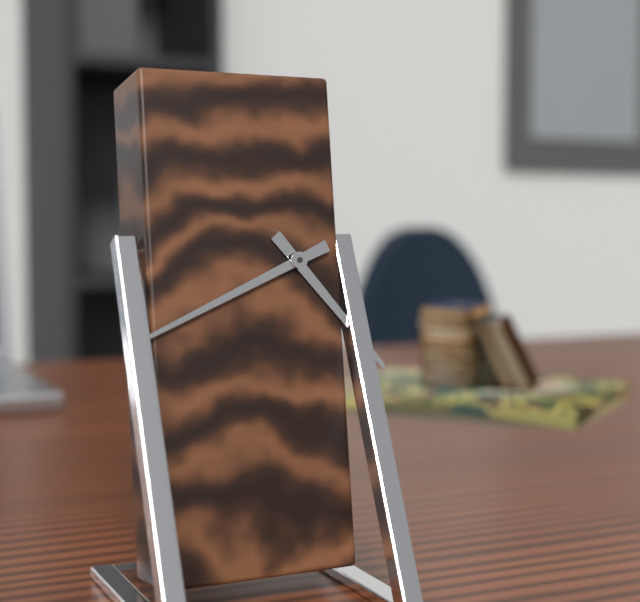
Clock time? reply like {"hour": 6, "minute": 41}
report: {"hour": 4, "minute": 41}
